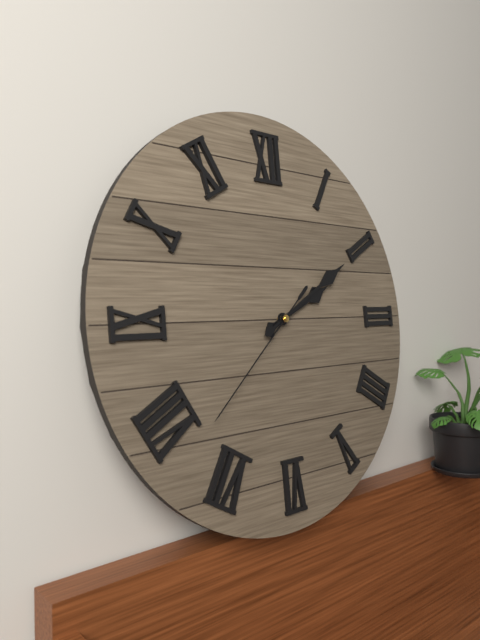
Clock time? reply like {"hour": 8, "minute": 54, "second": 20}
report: {"hour": 2, "minute": 10, "second": 38}
